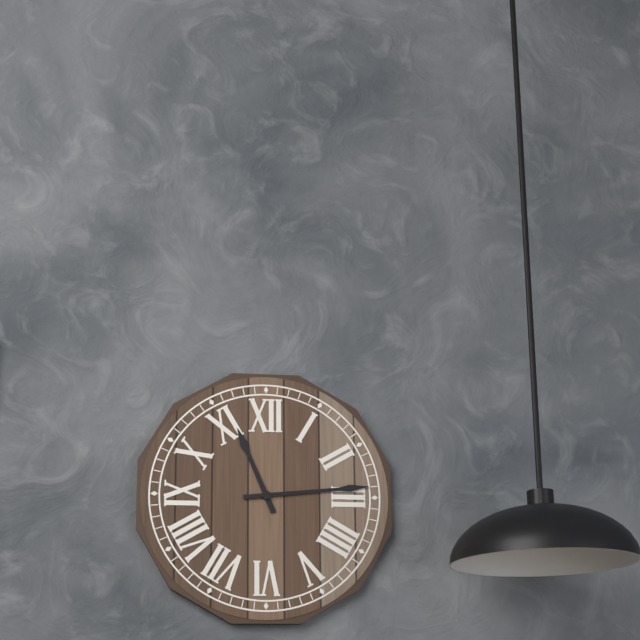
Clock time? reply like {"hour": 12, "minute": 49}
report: {"hour": 11, "minute": 14}
